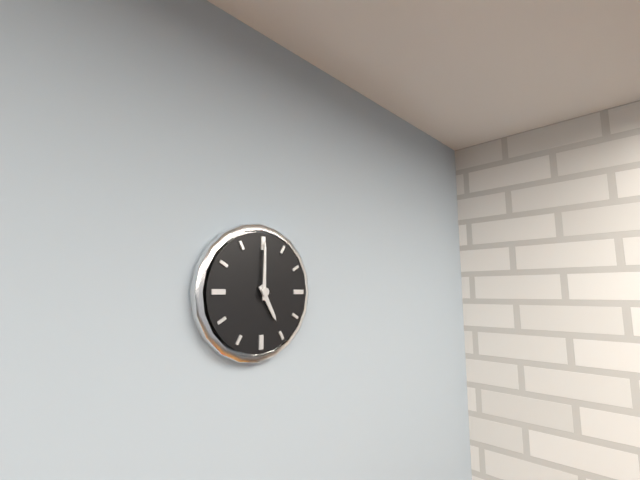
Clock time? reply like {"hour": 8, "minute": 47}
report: {"hour": 5, "minute": 0}
